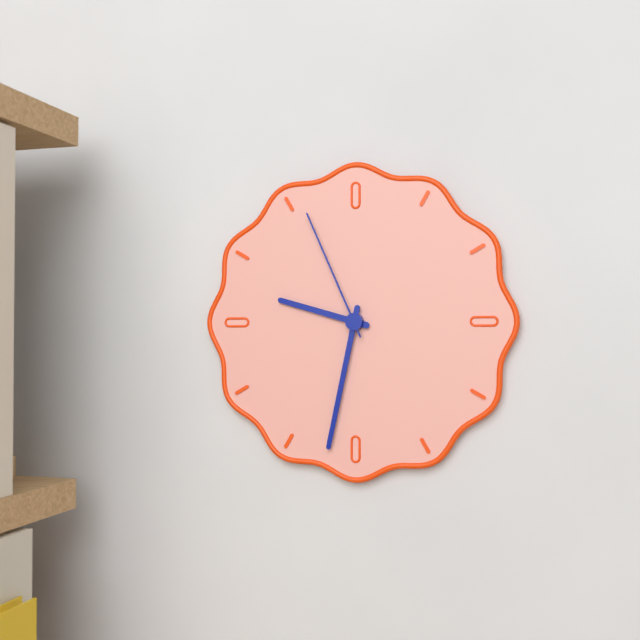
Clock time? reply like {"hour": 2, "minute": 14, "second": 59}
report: {"hour": 9, "minute": 32, "second": 56}
